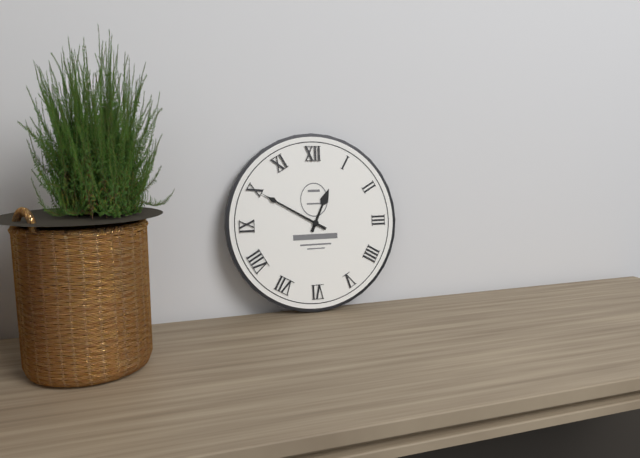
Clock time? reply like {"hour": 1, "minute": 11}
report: {"hour": 12, "minute": 50}
